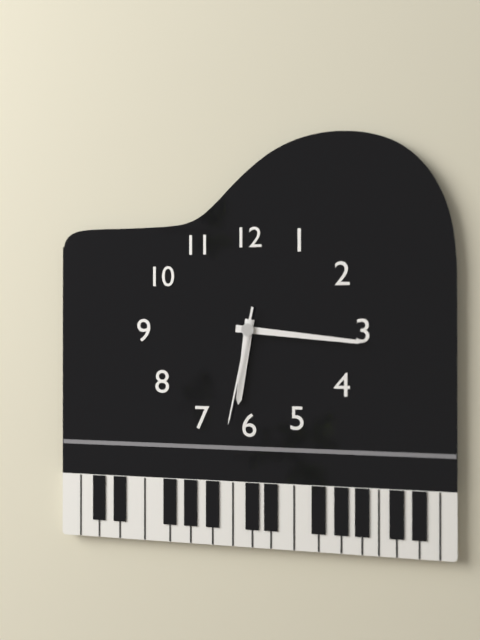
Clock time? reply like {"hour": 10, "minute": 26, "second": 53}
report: {"hour": 6, "minute": 16, "second": 32}
